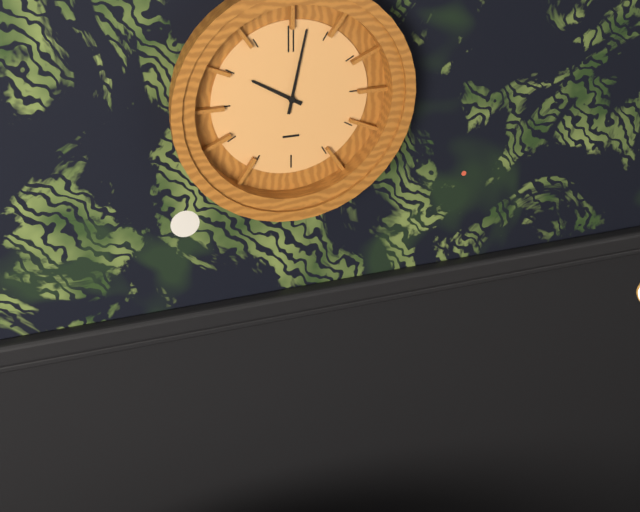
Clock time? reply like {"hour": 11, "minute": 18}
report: {"hour": 10, "minute": 2}
